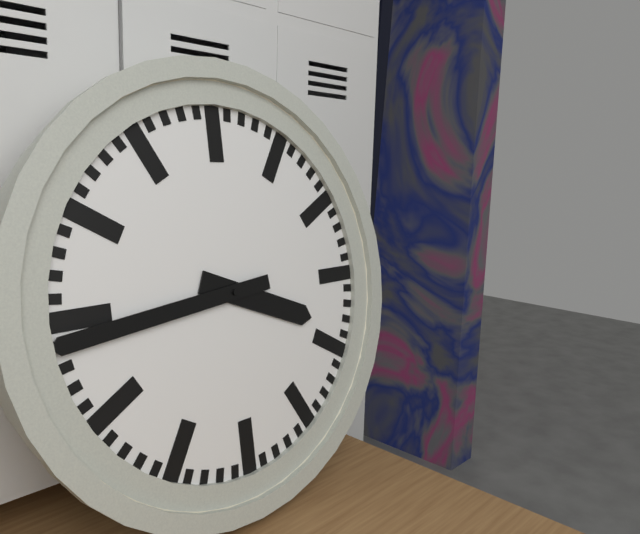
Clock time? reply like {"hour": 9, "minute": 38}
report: {"hour": 3, "minute": 44}
